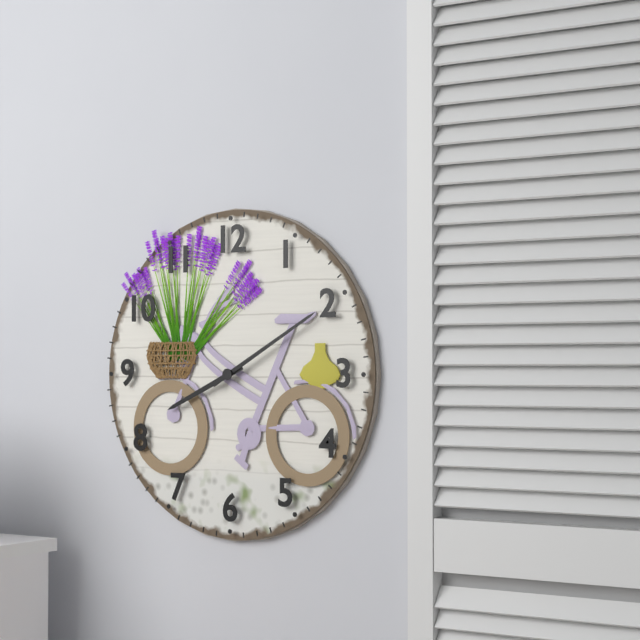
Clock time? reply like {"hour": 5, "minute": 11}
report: {"hour": 8, "minute": 10}
